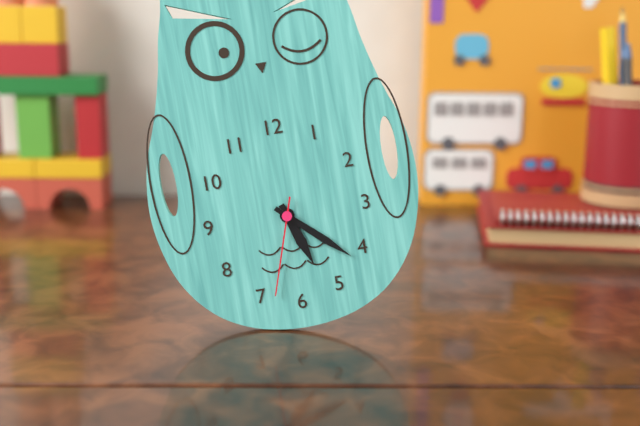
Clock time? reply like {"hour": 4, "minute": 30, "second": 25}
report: {"hour": 5, "minute": 22, "second": 33}
